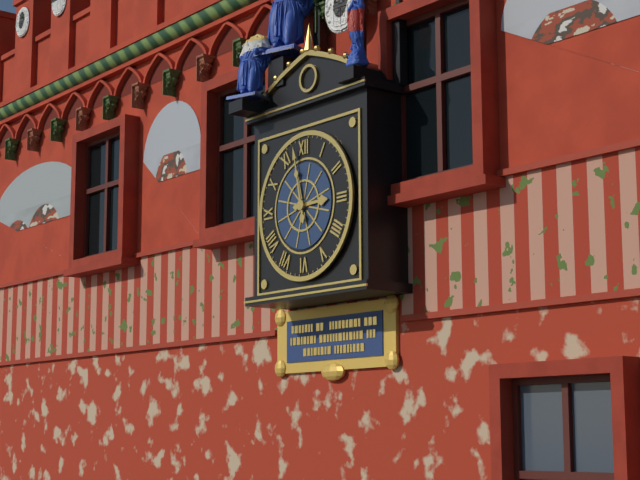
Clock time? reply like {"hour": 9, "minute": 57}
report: {"hour": 2, "minute": 58}
